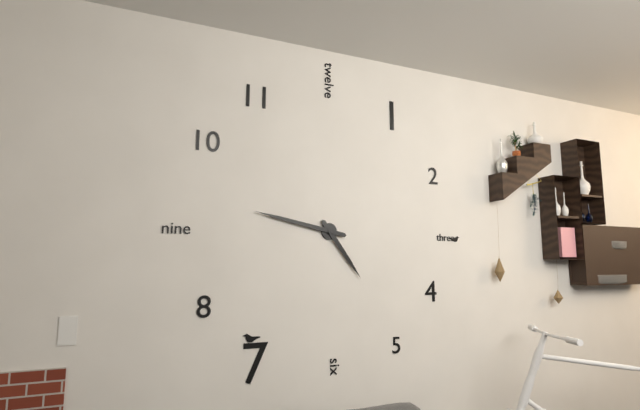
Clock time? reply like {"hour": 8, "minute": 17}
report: {"hour": 4, "minute": 47}
